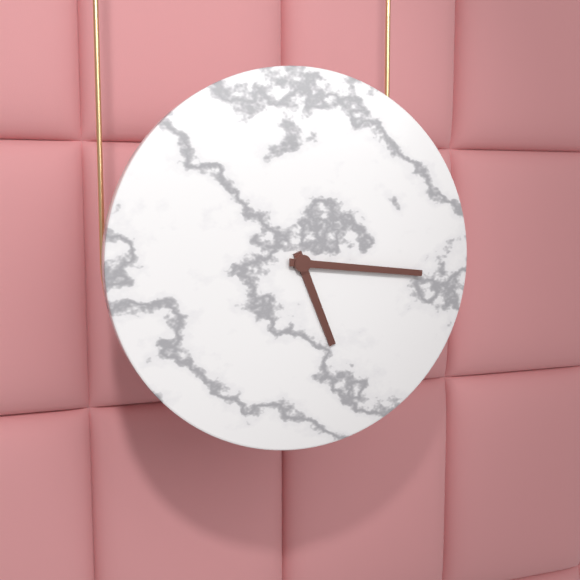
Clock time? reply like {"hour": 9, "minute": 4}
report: {"hour": 5, "minute": 16}
